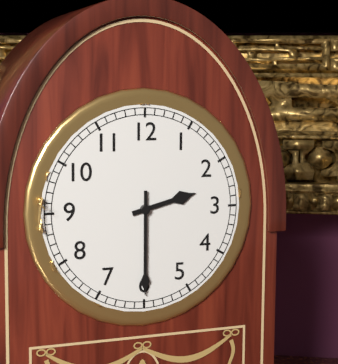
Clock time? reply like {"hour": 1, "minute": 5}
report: {"hour": 2, "minute": 30}
